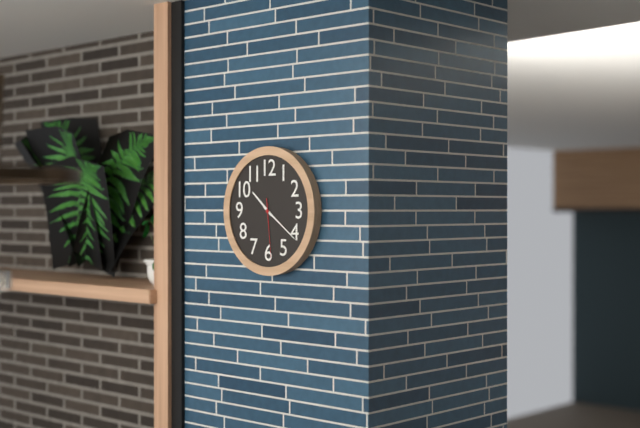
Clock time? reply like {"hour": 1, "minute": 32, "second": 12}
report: {"hour": 10, "minute": 21, "second": 29}
